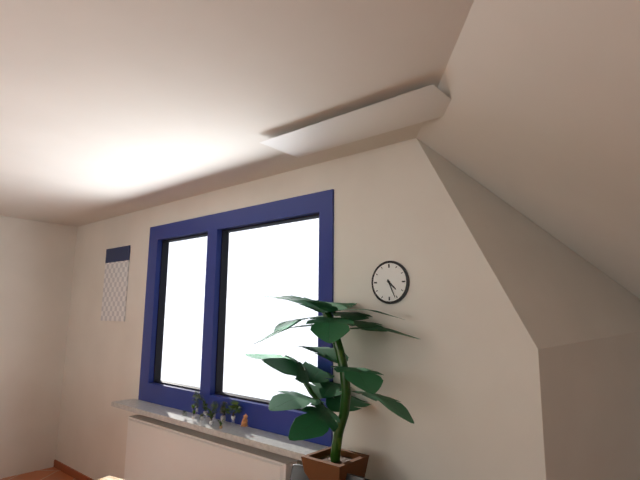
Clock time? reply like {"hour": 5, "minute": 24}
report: {"hour": 4, "minute": 26}
